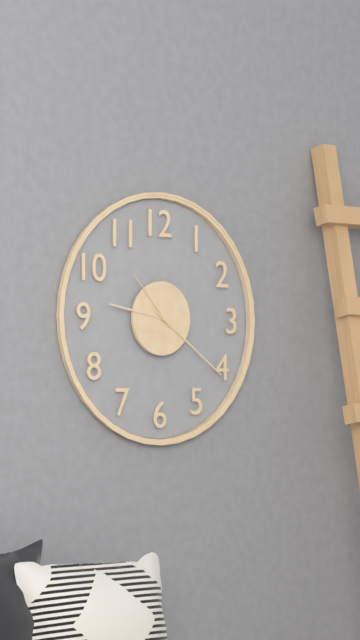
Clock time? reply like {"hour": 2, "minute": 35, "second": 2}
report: {"hour": 9, "minute": 21, "second": 53}
